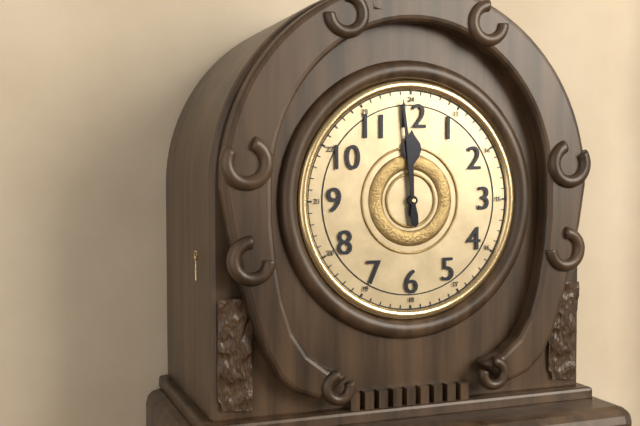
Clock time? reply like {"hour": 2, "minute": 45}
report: {"hour": 11, "minute": 59}
